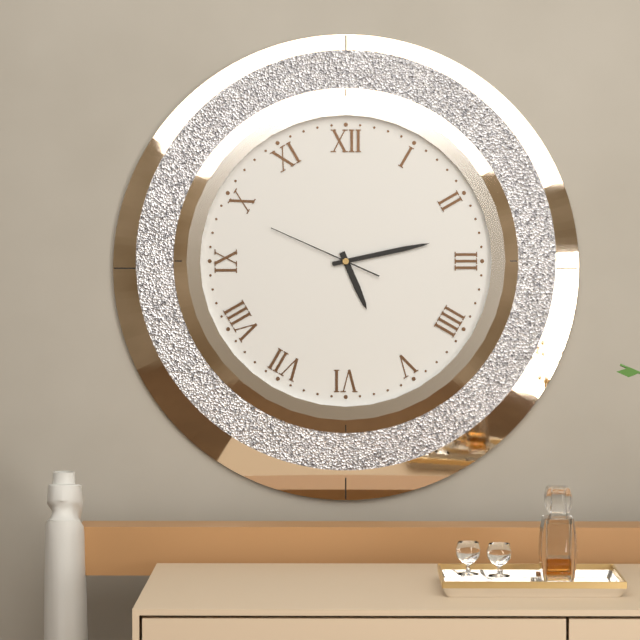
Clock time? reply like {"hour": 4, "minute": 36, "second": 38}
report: {"hour": 5, "minute": 13, "second": 49}
